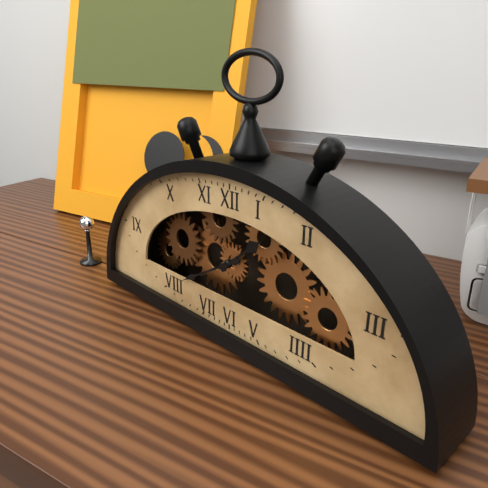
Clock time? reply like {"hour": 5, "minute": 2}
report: {"hour": 1, "minute": 40}
